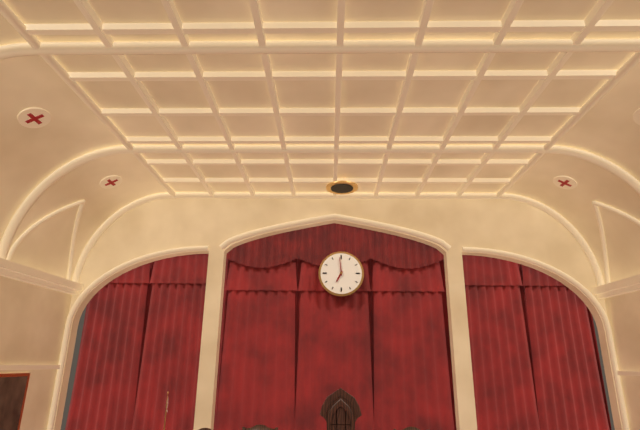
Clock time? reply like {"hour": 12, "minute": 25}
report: {"hour": 6, "minute": 59}
